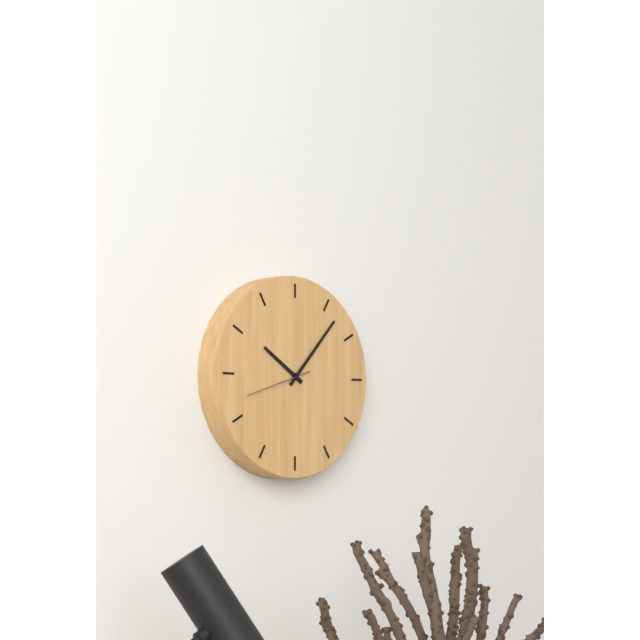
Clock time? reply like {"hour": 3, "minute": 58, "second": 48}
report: {"hour": 10, "minute": 7, "second": 42}
